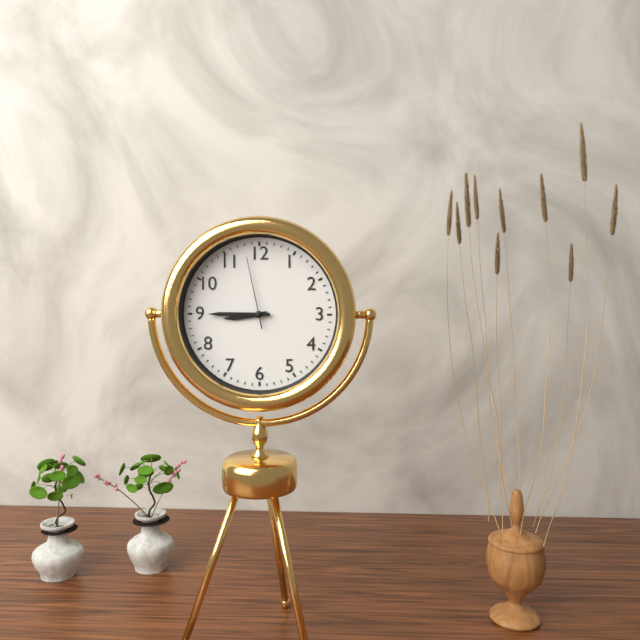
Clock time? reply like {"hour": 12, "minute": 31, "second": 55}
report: {"hour": 8, "minute": 45, "second": 58}
